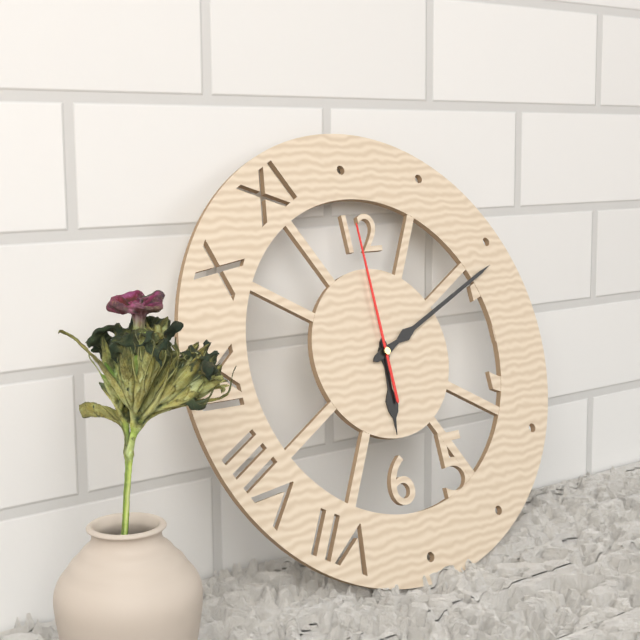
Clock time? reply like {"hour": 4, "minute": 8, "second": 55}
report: {"hour": 6, "minute": 11, "second": 0}
